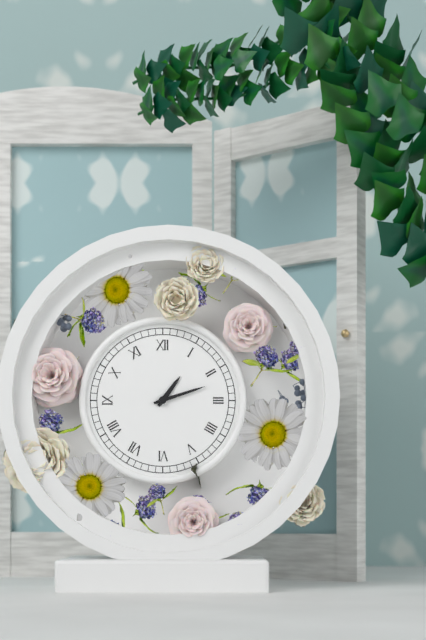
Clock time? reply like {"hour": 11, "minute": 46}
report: {"hour": 1, "minute": 12}
